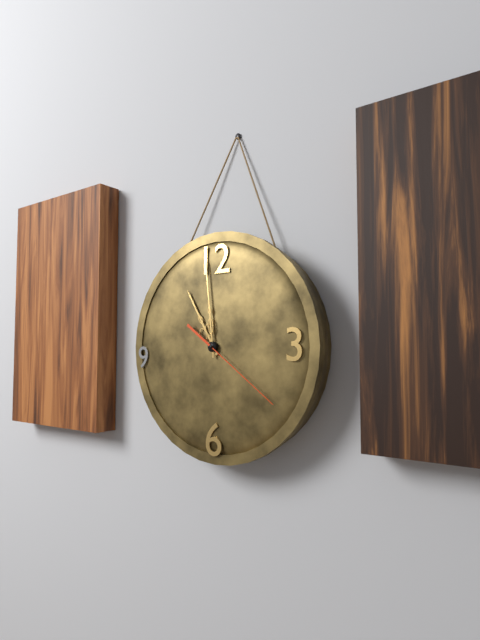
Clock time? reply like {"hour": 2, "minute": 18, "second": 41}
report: {"hour": 10, "minute": 59, "second": 21}
